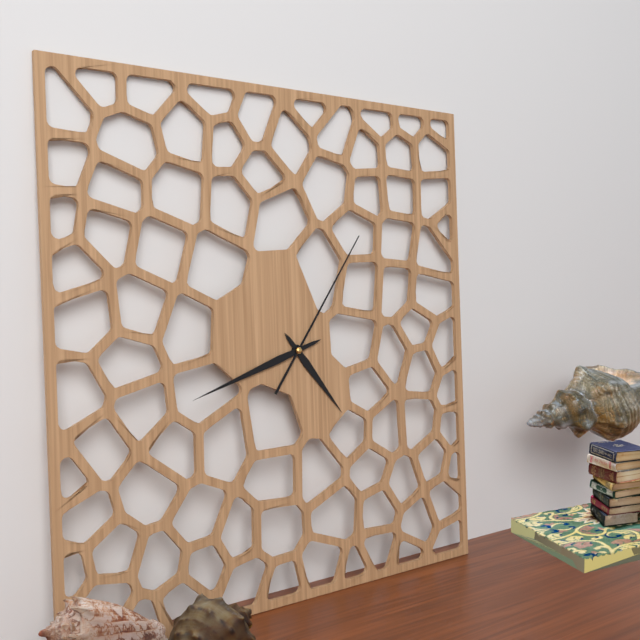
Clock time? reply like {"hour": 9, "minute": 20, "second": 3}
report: {"hour": 4, "minute": 42, "second": 6}
